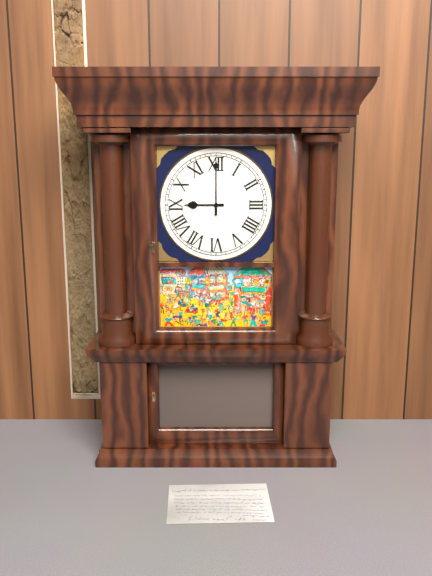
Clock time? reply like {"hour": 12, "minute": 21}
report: {"hour": 9, "minute": 0}
